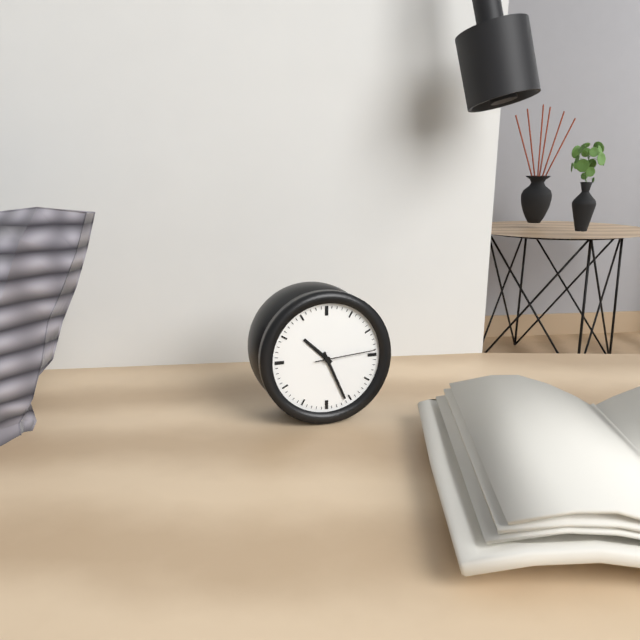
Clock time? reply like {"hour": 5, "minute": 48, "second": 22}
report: {"hour": 10, "minute": 26, "second": 14}
